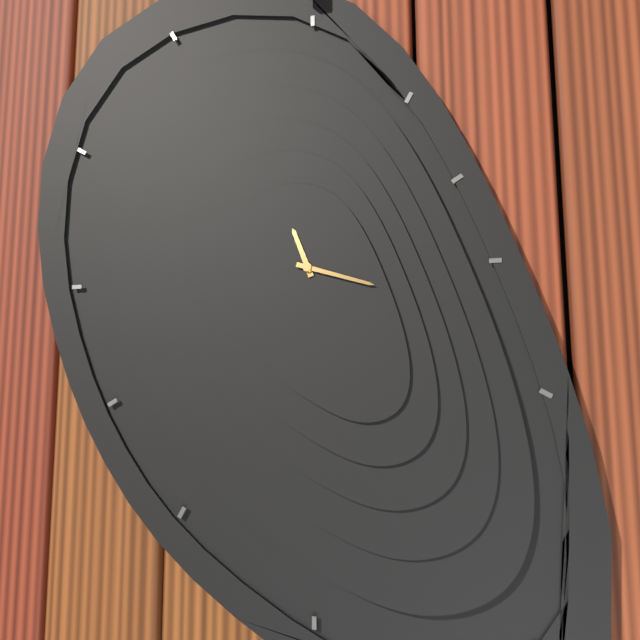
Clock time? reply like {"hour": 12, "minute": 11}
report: {"hour": 11, "minute": 18}
